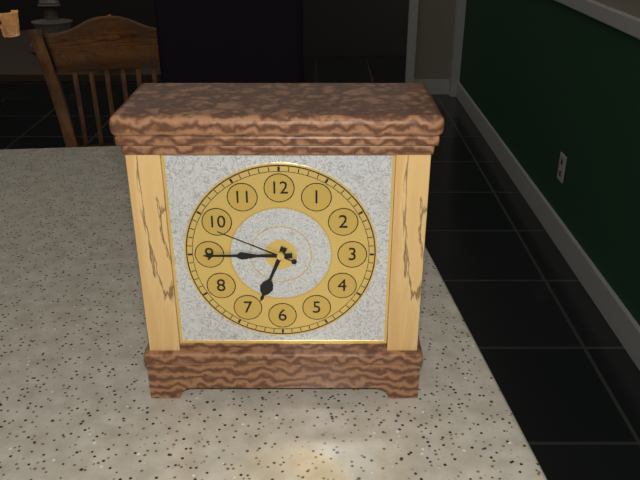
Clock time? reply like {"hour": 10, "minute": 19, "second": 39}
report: {"hour": 6, "minute": 45, "second": 49}
